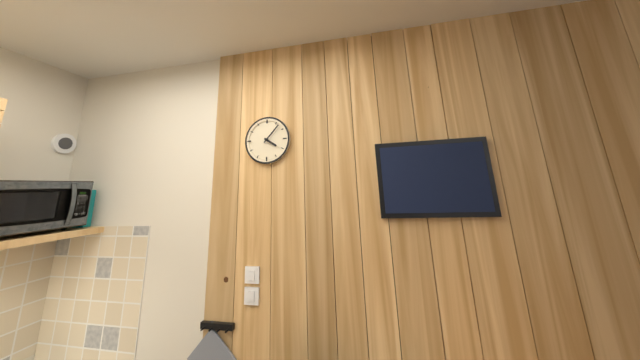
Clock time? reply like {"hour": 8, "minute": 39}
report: {"hour": 4, "minute": 7}
